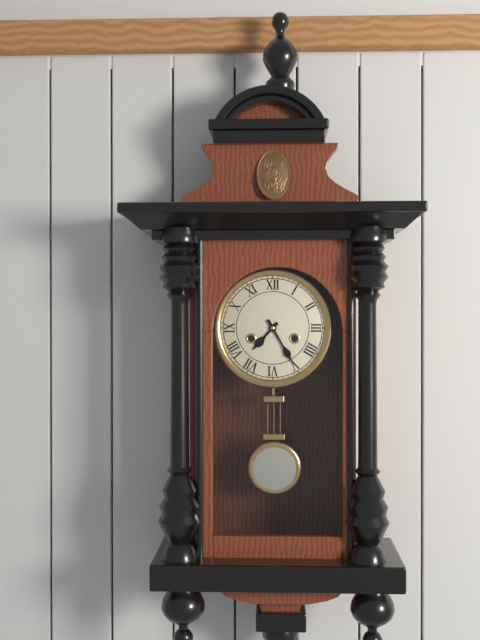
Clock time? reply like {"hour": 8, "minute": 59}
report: {"hour": 7, "minute": 25}
